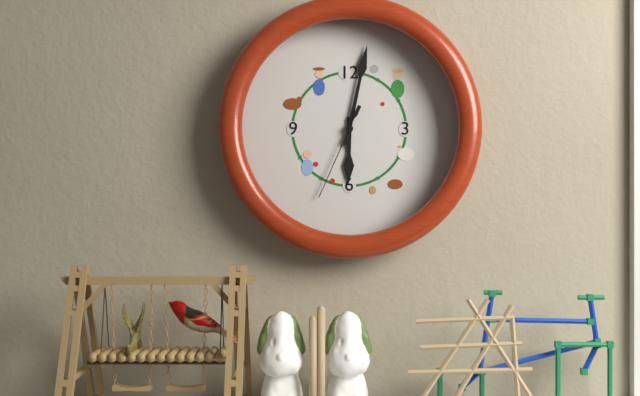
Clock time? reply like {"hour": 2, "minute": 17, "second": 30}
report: {"hour": 6, "minute": 2, "second": 34}
